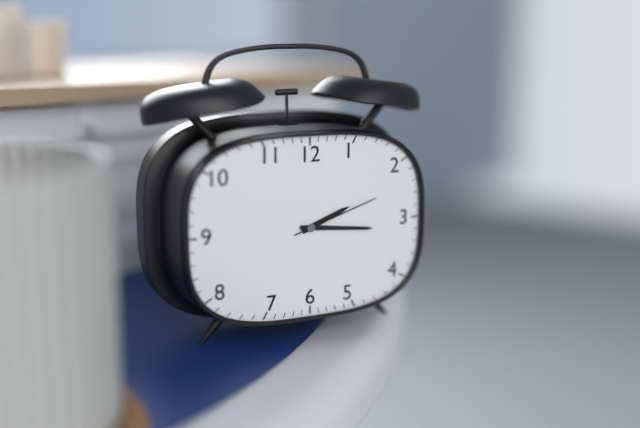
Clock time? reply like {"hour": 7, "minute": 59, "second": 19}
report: {"hour": 2, "minute": 16, "second": 12}
